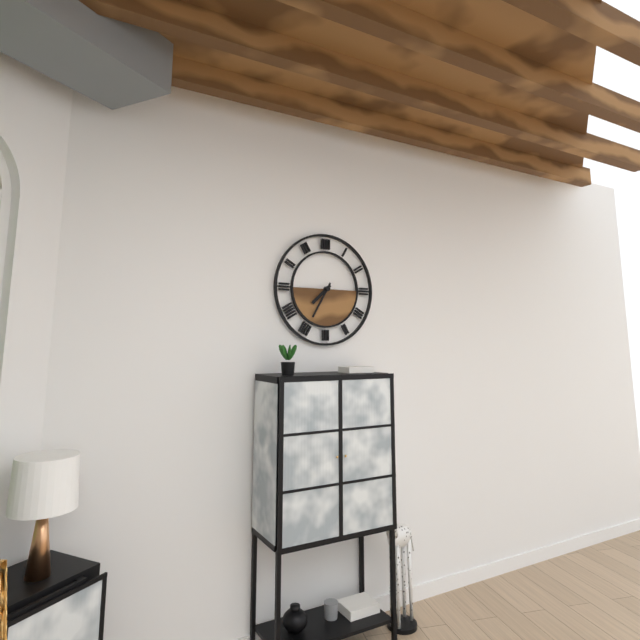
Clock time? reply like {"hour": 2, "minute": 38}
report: {"hour": 7, "minute": 35}
